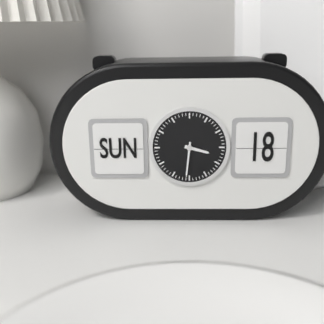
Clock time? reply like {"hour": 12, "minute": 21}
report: {"hour": 3, "minute": 31}
